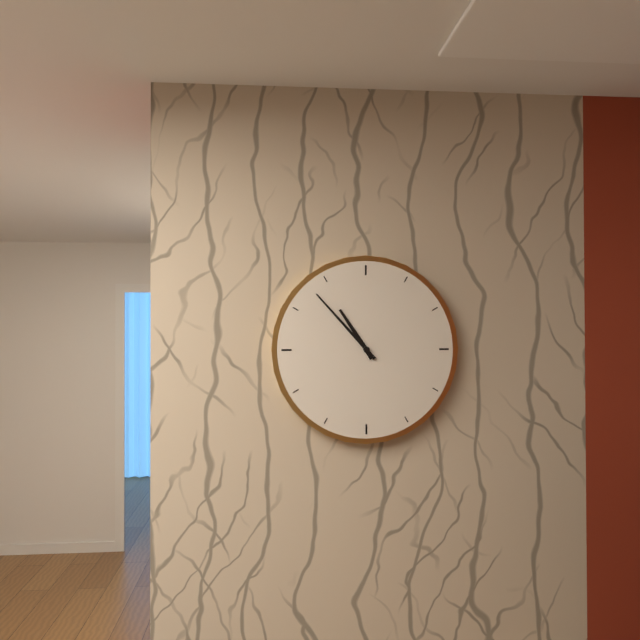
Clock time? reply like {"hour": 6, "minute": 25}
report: {"hour": 10, "minute": 53}
